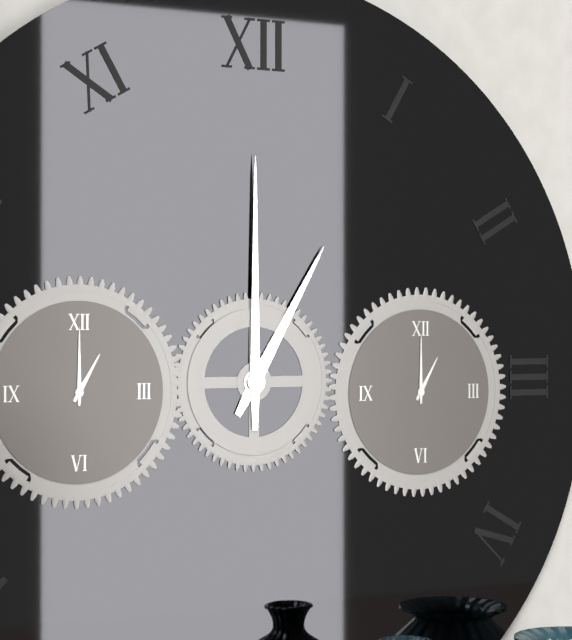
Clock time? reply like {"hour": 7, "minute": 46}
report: {"hour": 1, "minute": 0}
